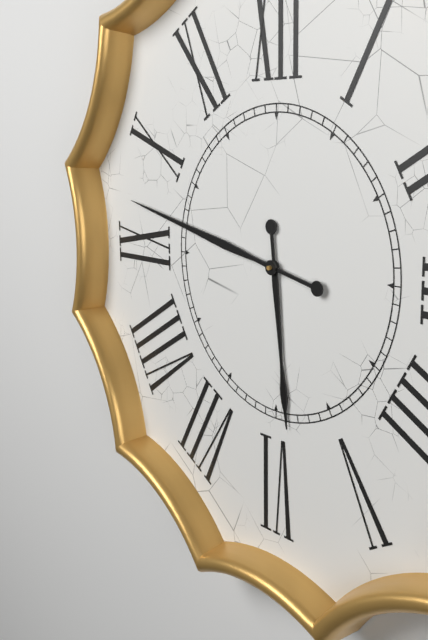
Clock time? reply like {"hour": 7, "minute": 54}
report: {"hour": 5, "minute": 47}
